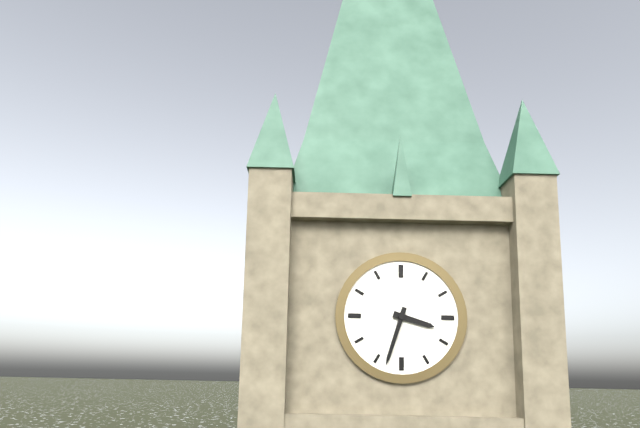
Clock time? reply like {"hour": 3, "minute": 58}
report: {"hour": 3, "minute": 33}
